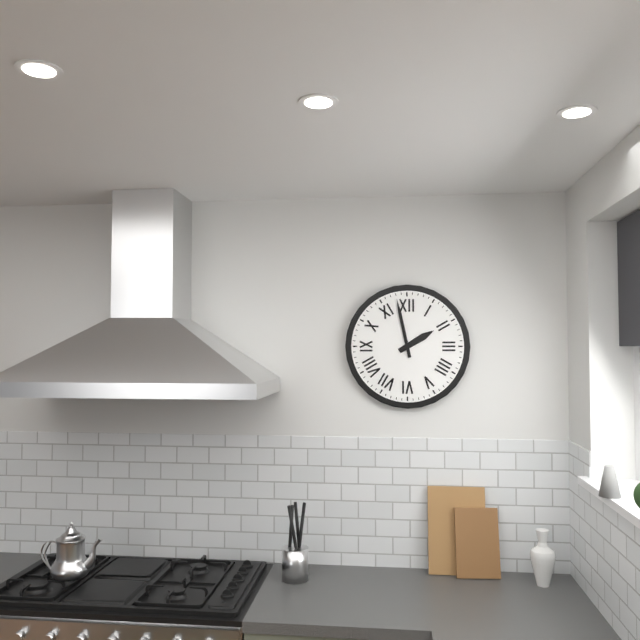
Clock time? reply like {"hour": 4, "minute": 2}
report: {"hour": 1, "minute": 58}
